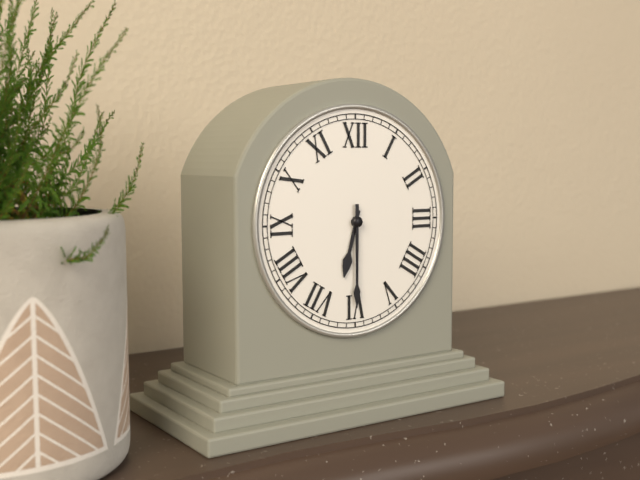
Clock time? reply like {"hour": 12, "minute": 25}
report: {"hour": 6, "minute": 30}
